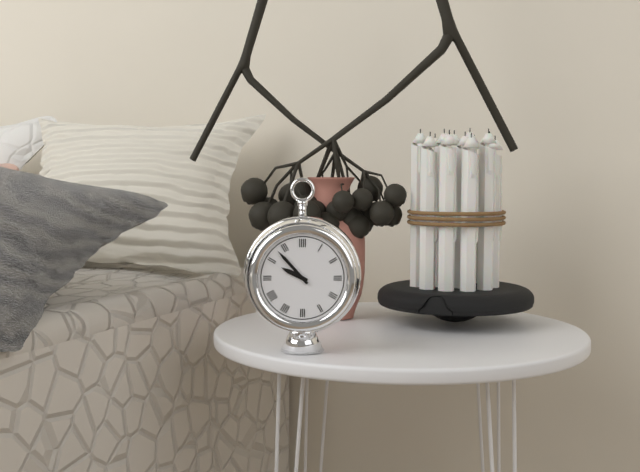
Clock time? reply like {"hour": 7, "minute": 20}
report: {"hour": 9, "minute": 53}
